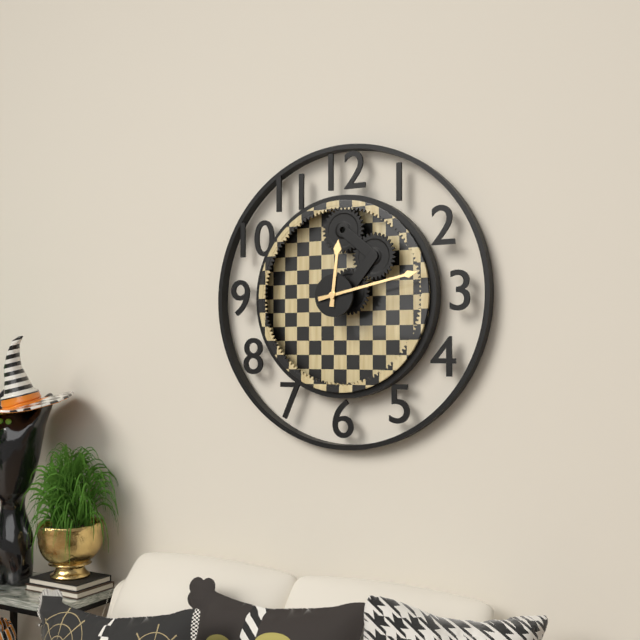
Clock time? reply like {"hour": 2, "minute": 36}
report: {"hour": 12, "minute": 13}
